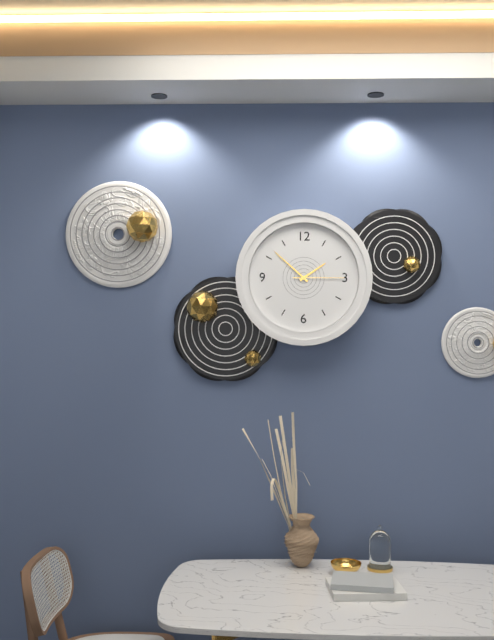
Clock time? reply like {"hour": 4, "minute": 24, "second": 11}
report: {"hour": 1, "minute": 52, "second": 15}
